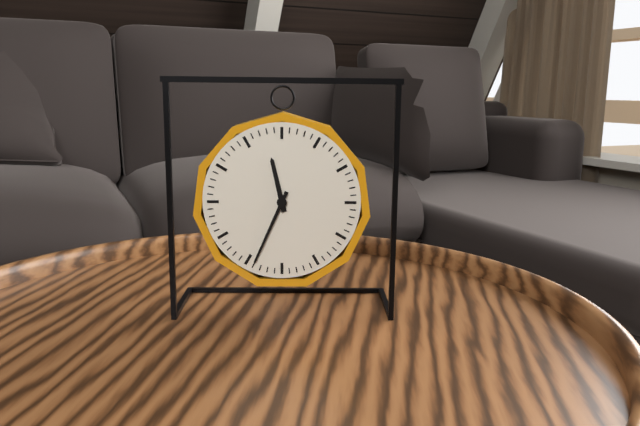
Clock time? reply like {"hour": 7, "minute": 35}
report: {"hour": 11, "minute": 34}
